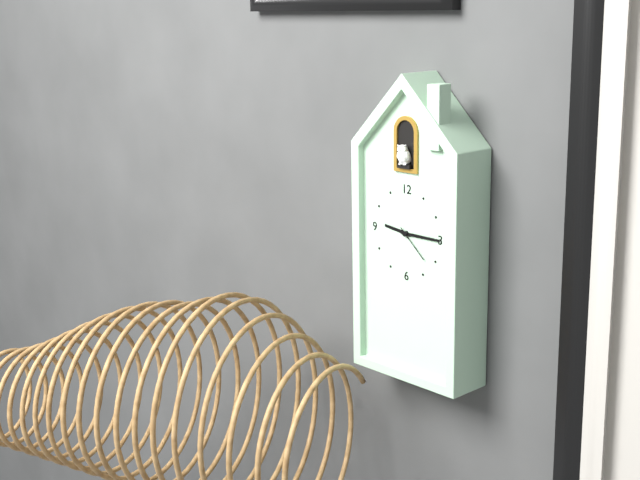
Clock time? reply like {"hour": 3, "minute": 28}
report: {"hour": 9, "minute": 15}
